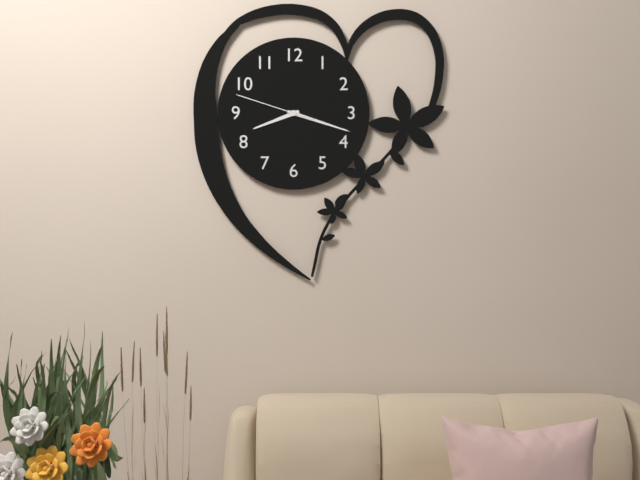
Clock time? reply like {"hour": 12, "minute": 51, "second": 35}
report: {"hour": 8, "minute": 18, "second": 48}
